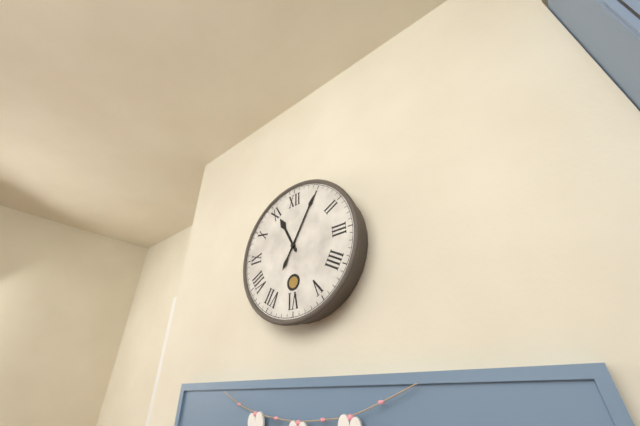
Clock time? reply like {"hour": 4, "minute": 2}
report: {"hour": 11, "minute": 5}
